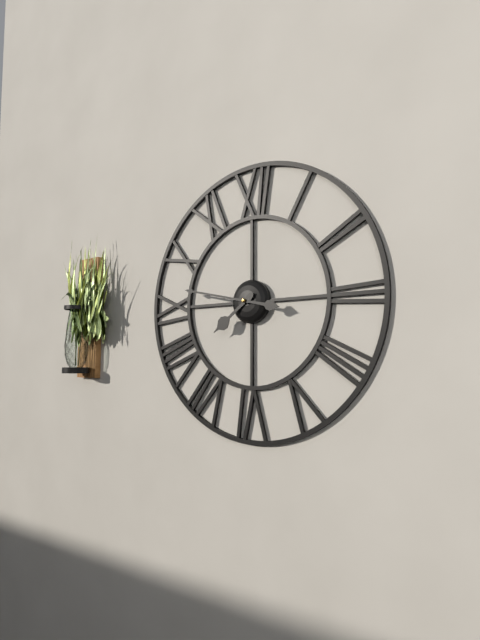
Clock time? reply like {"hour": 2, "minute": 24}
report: {"hour": 7, "minute": 47}
